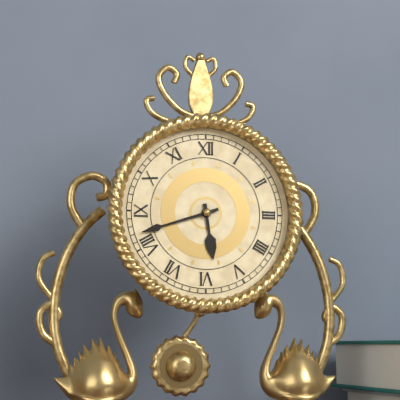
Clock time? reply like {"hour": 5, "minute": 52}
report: {"hour": 5, "minute": 42}
